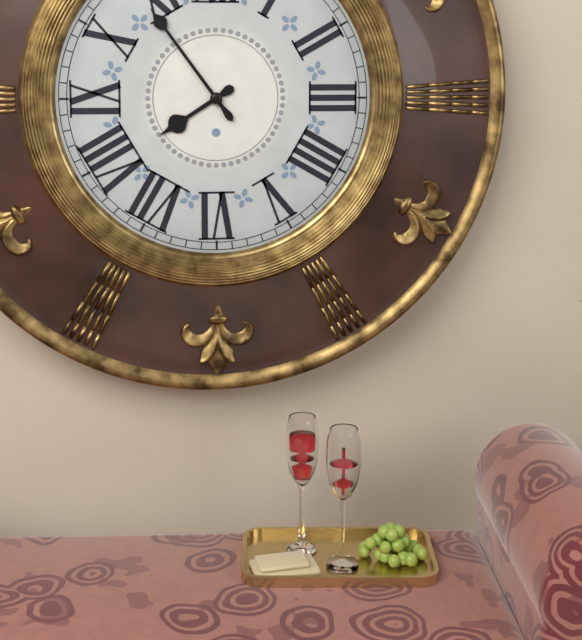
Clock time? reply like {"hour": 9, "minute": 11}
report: {"hour": 7, "minute": 54}
